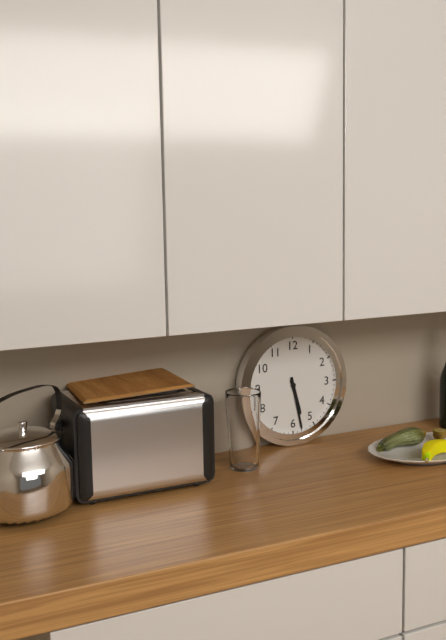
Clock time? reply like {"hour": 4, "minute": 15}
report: {"hour": 5, "minute": 28}
